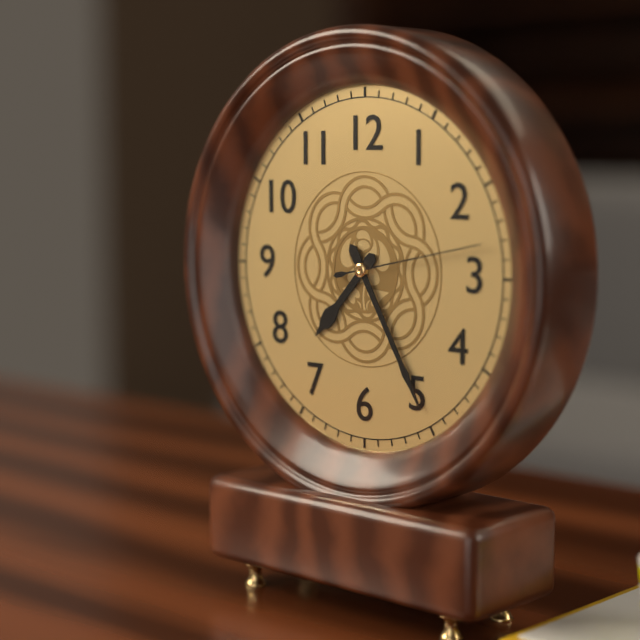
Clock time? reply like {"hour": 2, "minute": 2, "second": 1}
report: {"hour": 7, "minute": 25, "second": 13}
